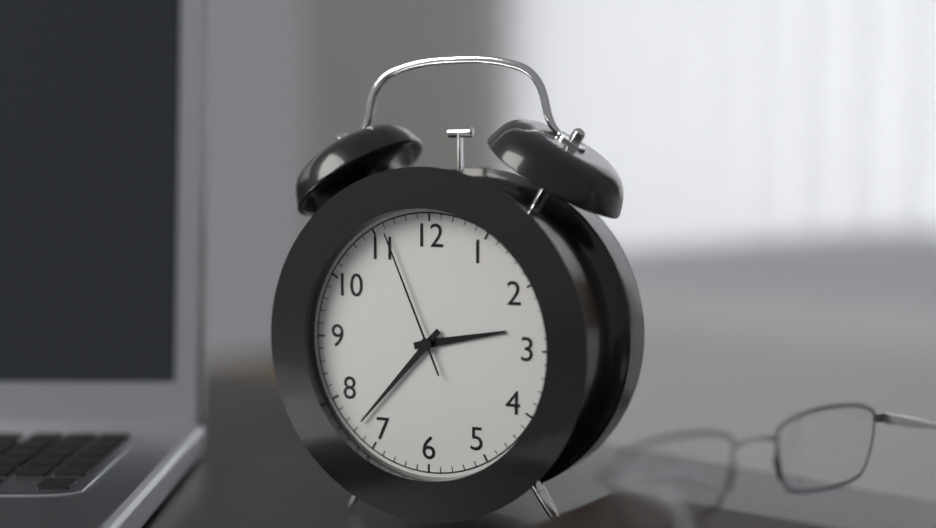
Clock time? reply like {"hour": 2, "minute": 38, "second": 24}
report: {"hour": 2, "minute": 37, "second": 56}
